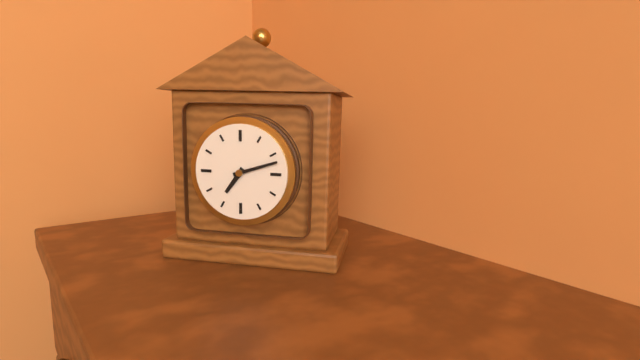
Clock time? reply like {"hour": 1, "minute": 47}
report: {"hour": 7, "minute": 12}
